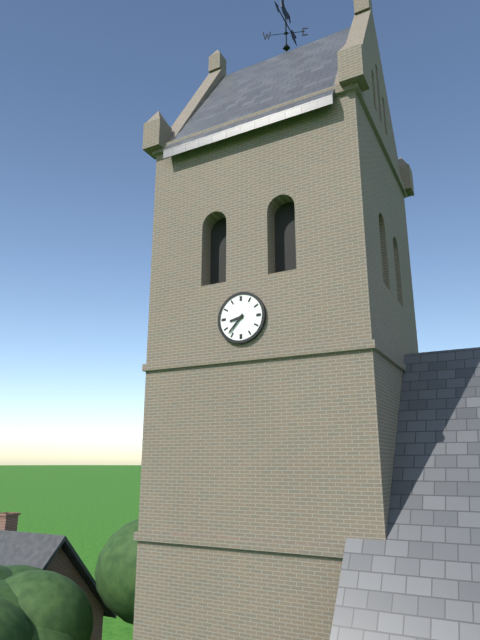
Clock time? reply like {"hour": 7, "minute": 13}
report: {"hour": 8, "minute": 37}
